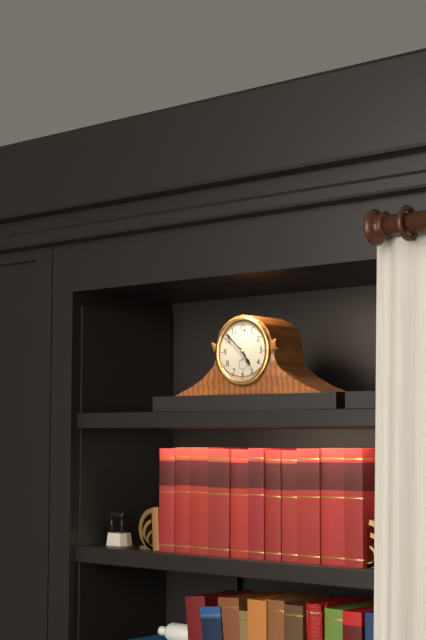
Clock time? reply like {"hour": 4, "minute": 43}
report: {"hour": 4, "minute": 52}
